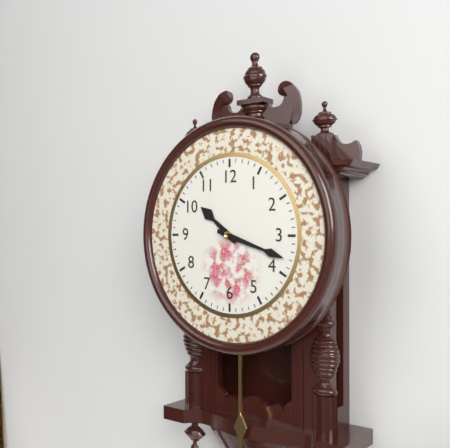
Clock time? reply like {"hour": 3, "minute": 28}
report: {"hour": 10, "minute": 18}
